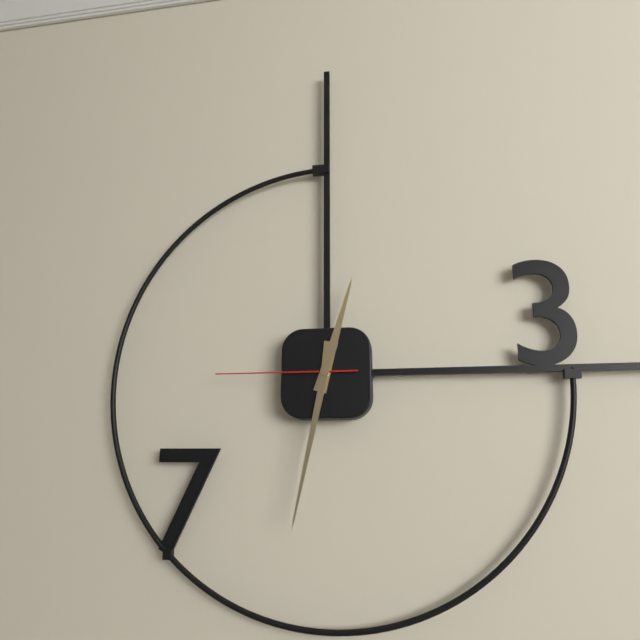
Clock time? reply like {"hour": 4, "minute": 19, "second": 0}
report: {"hour": 12, "minute": 32, "second": 45}
